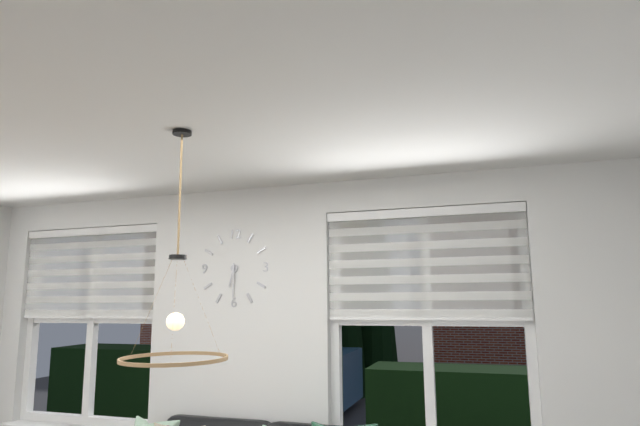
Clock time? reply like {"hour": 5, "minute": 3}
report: {"hour": 6, "minute": 30}
